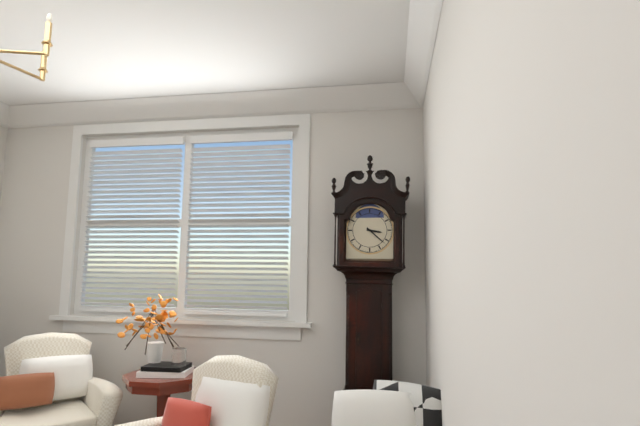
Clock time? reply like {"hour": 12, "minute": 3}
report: {"hour": 3, "minute": 22}
